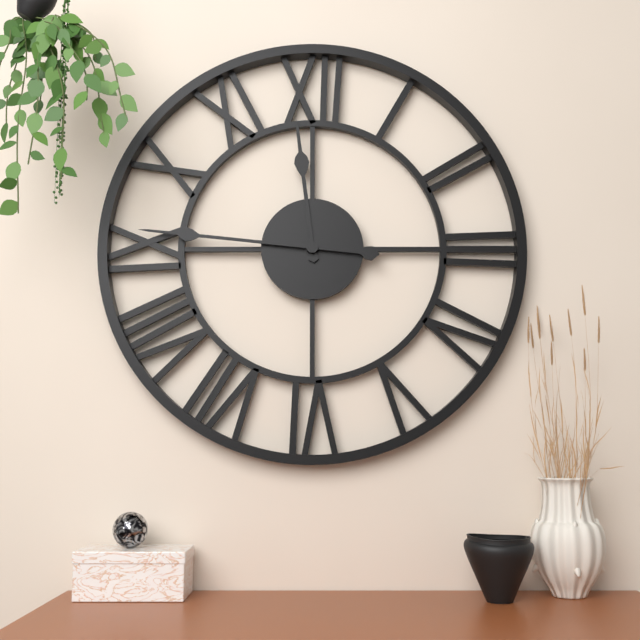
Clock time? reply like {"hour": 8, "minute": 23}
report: {"hour": 11, "minute": 46}
